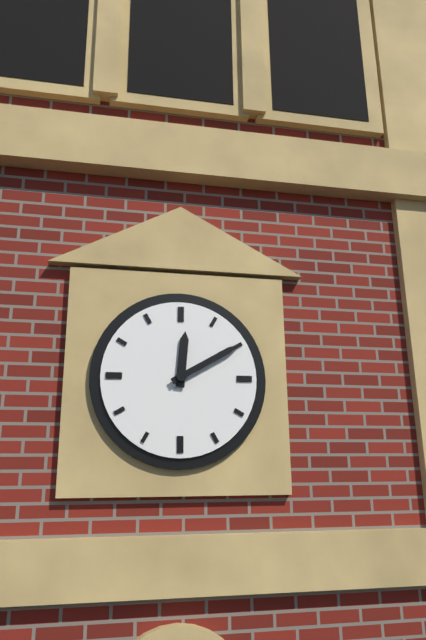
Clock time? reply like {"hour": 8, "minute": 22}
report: {"hour": 12, "minute": 10}
